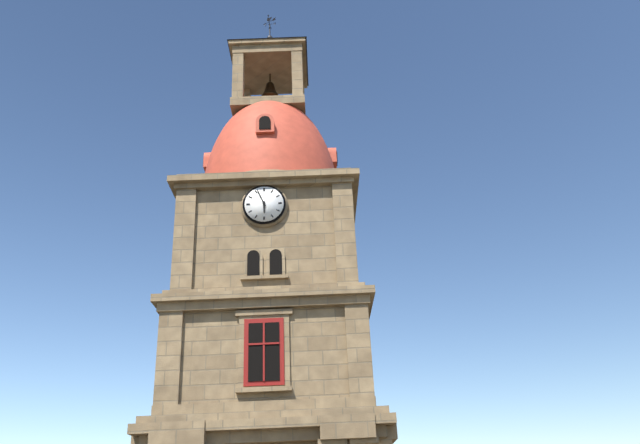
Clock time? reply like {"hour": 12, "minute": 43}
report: {"hour": 5, "minute": 56}
